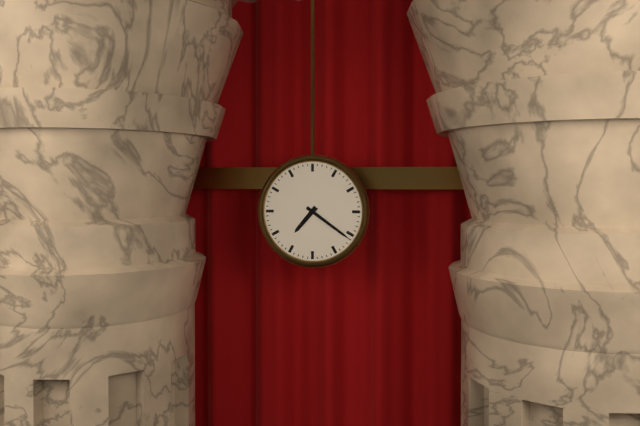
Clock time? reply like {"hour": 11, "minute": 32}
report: {"hour": 7, "minute": 21}
